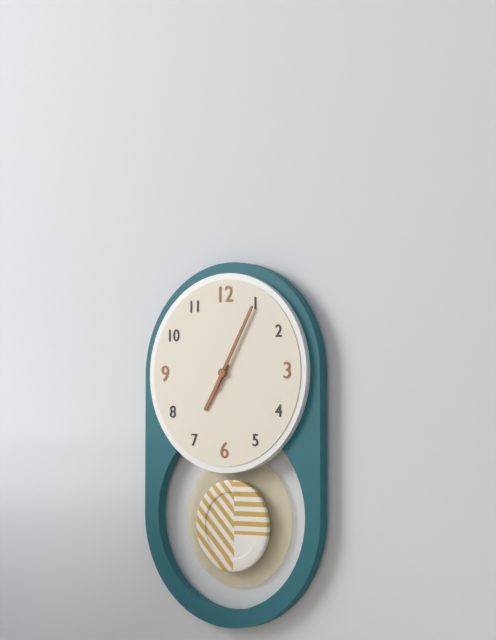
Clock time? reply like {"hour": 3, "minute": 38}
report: {"hour": 7, "minute": 5}
